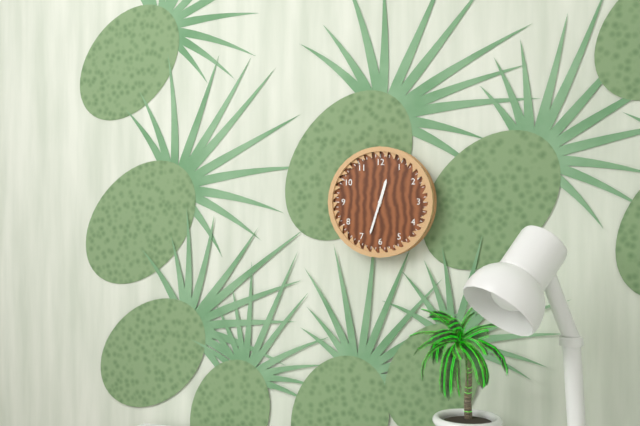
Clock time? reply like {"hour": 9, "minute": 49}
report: {"hour": 12, "minute": 33}
